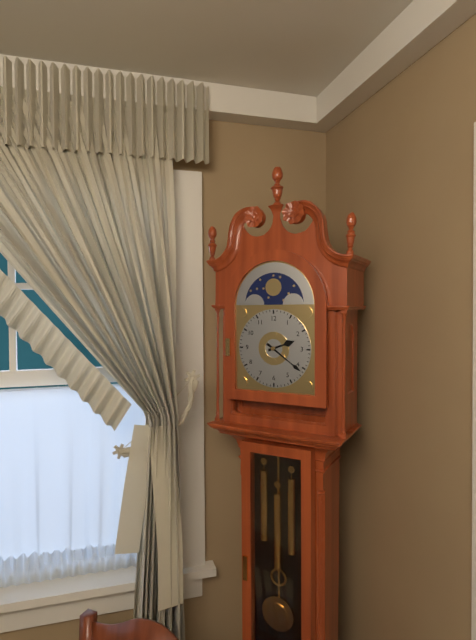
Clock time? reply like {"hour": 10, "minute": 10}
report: {"hour": 2, "minute": 21}
